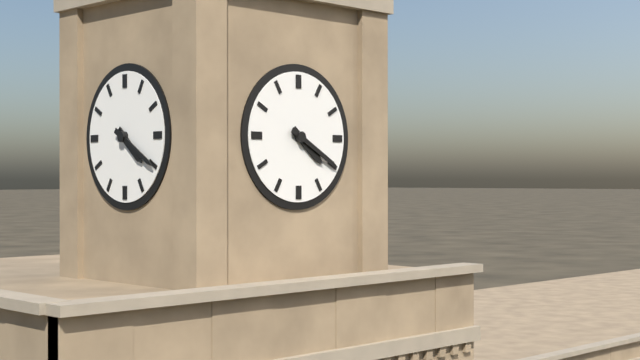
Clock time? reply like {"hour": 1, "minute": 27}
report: {"hour": 4, "minute": 20}
